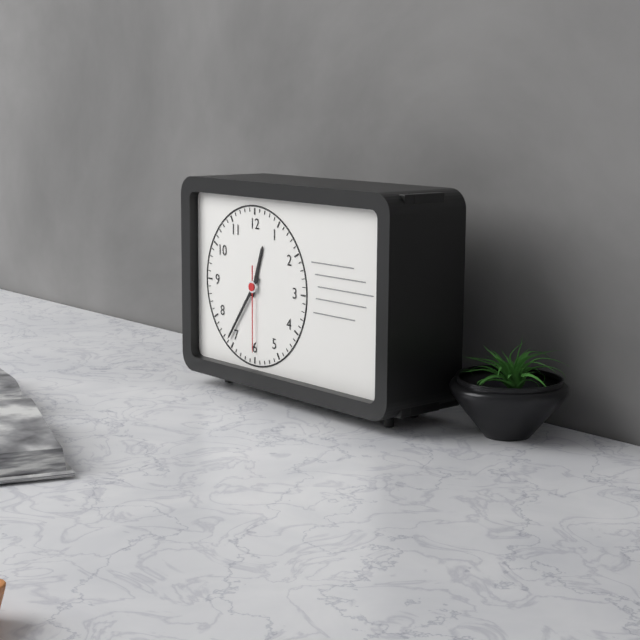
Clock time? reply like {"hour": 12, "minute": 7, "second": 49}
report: {"hour": 12, "minute": 36, "second": 30}
